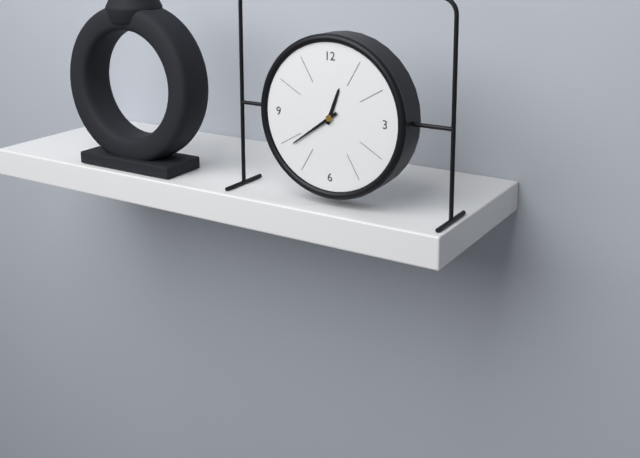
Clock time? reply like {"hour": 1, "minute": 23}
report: {"hour": 12, "minute": 39}
